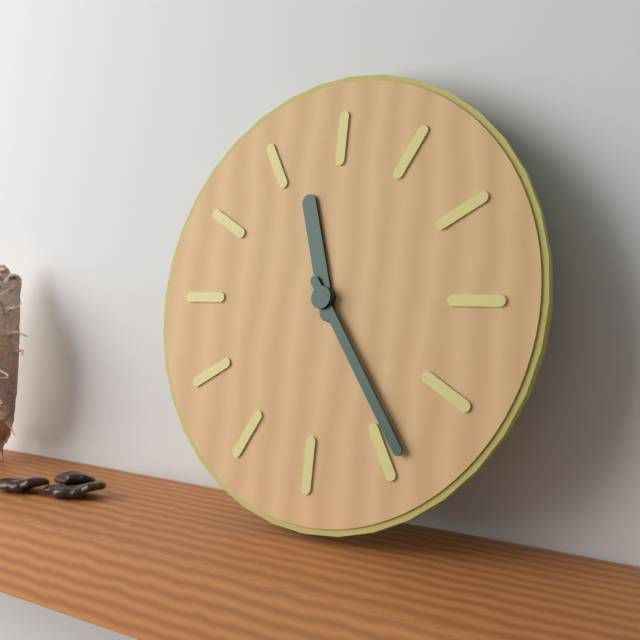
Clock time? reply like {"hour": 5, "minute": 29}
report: {"hour": 11, "minute": 24}
